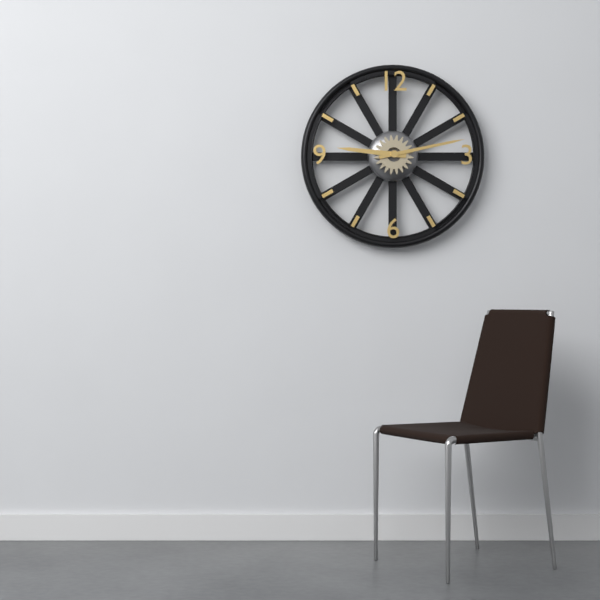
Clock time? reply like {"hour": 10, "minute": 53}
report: {"hour": 9, "minute": 13}
